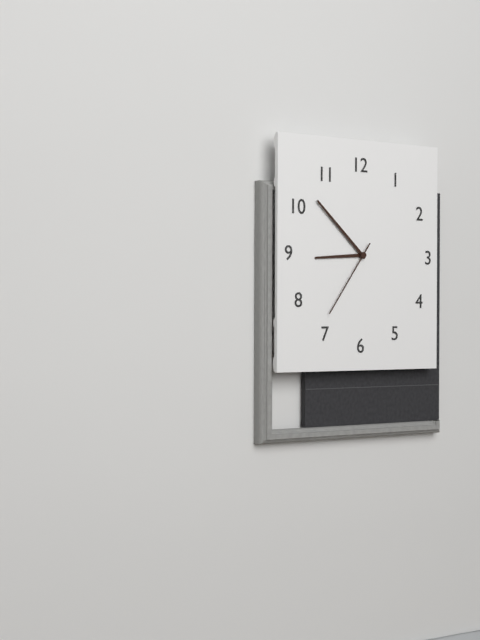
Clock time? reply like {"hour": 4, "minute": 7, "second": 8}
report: {"hour": 8, "minute": 52, "second": 36}
